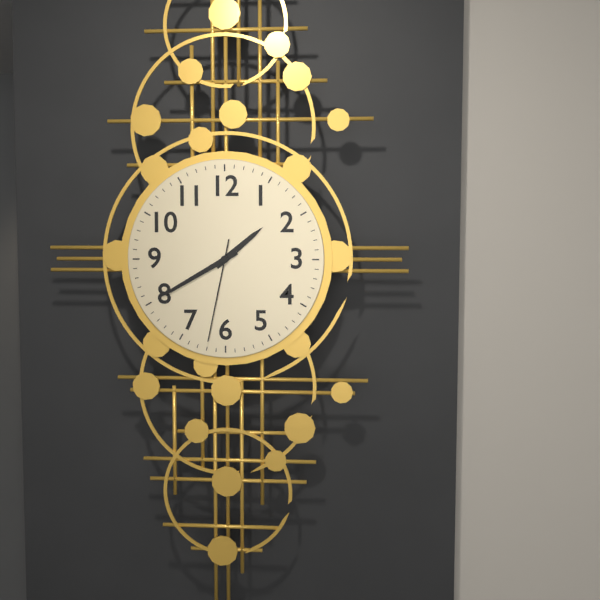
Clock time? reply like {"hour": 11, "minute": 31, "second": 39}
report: {"hour": 1, "minute": 40, "second": 32}
